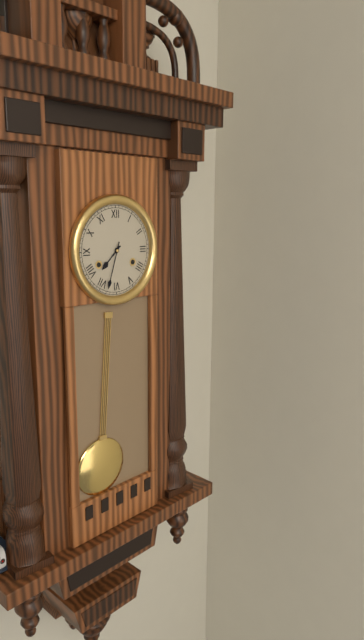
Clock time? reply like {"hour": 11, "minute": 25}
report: {"hour": 7, "minute": 33}
